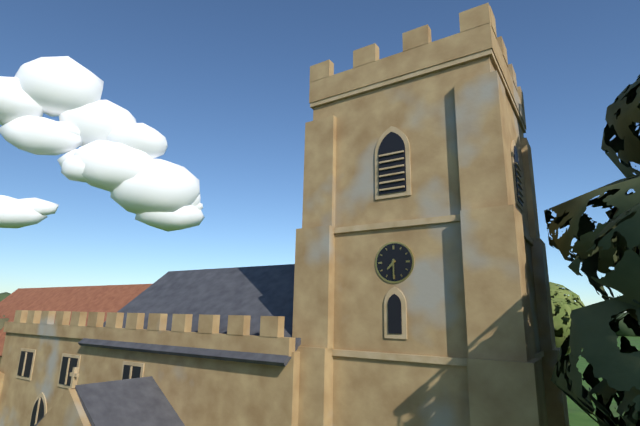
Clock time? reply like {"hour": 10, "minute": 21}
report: {"hour": 7, "minute": 30}
